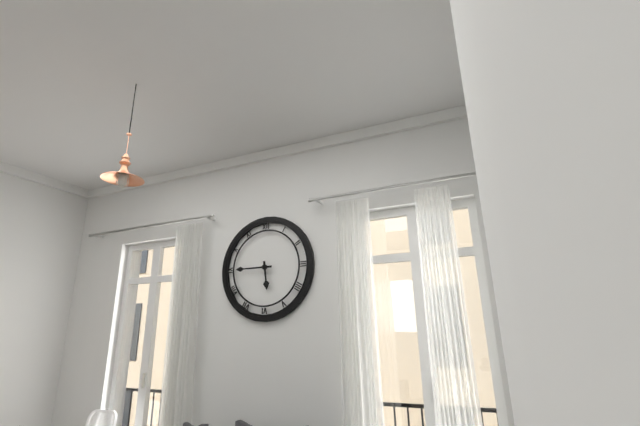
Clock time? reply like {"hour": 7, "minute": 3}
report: {"hour": 5, "minute": 45}
